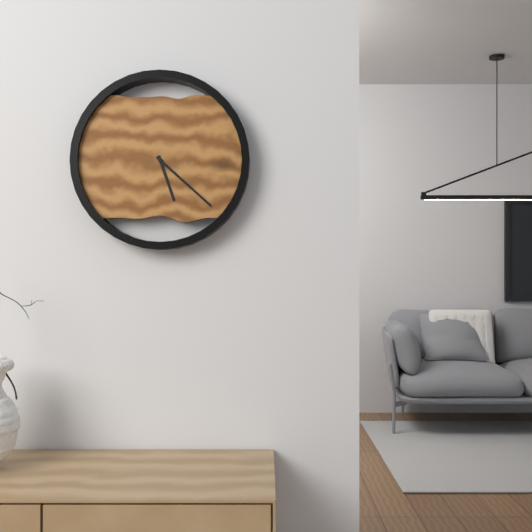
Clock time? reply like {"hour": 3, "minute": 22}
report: {"hour": 5, "minute": 22}
